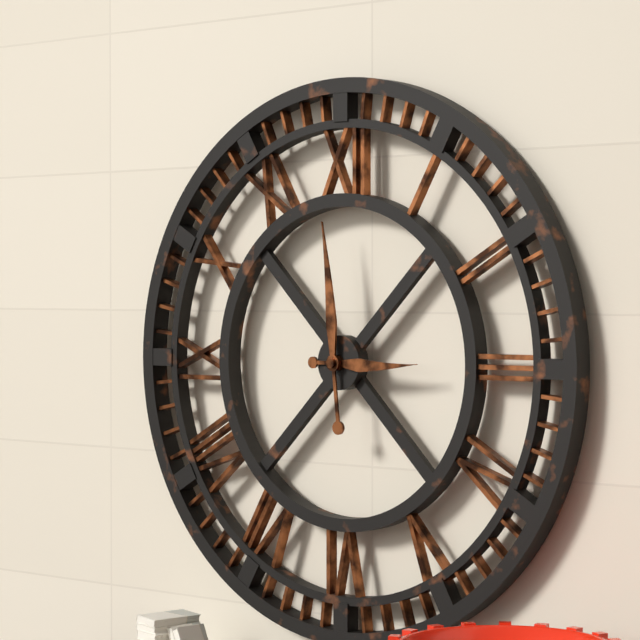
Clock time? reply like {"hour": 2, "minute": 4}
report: {"hour": 2, "minute": 59}
